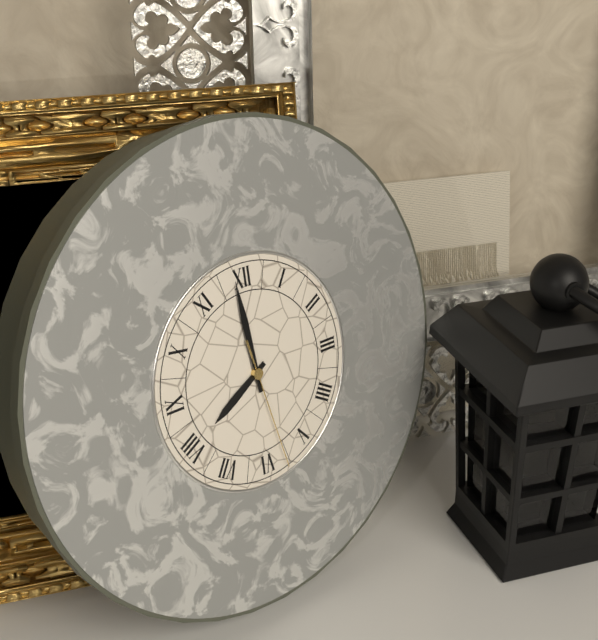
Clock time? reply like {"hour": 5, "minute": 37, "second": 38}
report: {"hour": 7, "minute": 59, "second": 28}
